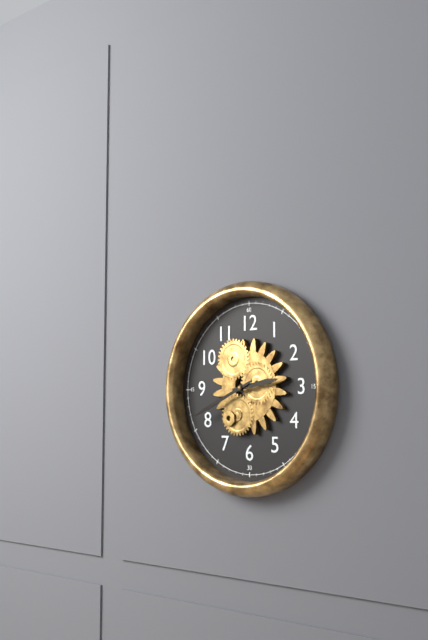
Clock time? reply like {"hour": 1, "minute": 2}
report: {"hour": 2, "minute": 41}
